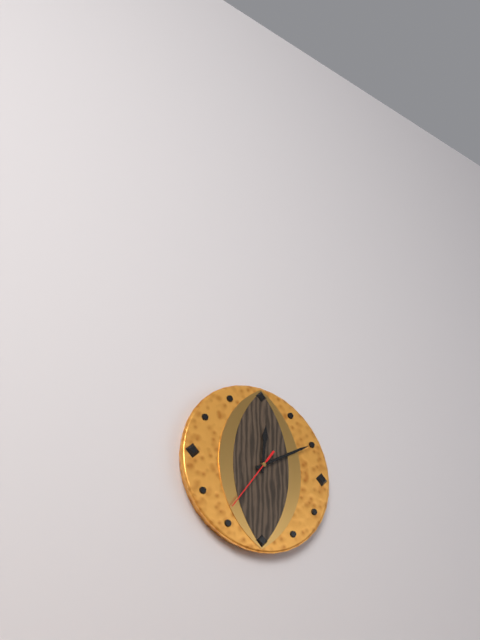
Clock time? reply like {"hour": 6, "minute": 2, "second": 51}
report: {"hour": 12, "minute": 10, "second": 36}
